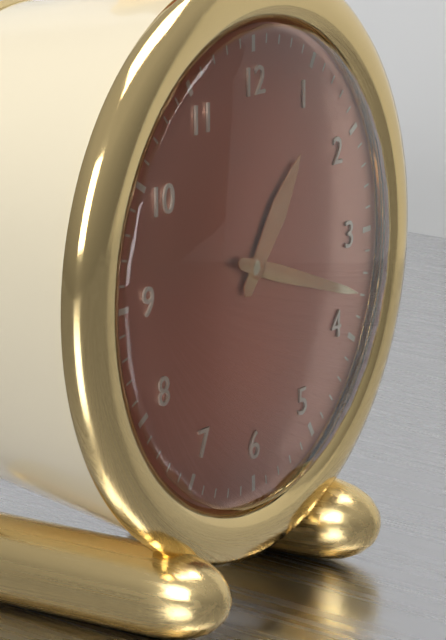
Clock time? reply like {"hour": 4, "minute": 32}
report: {"hour": 1, "minute": 18}
